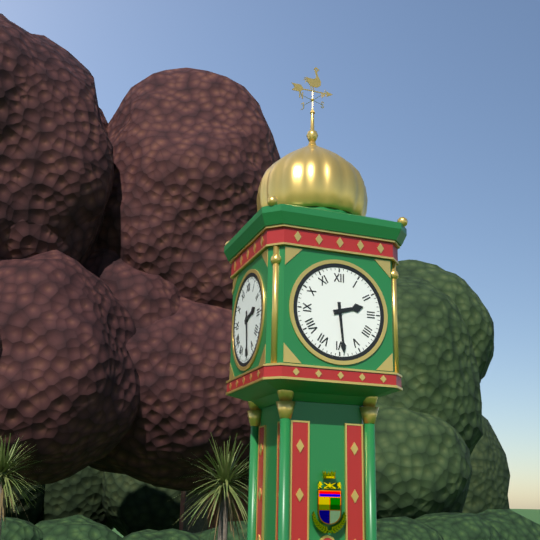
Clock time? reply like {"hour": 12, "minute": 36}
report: {"hour": 2, "minute": 29}
